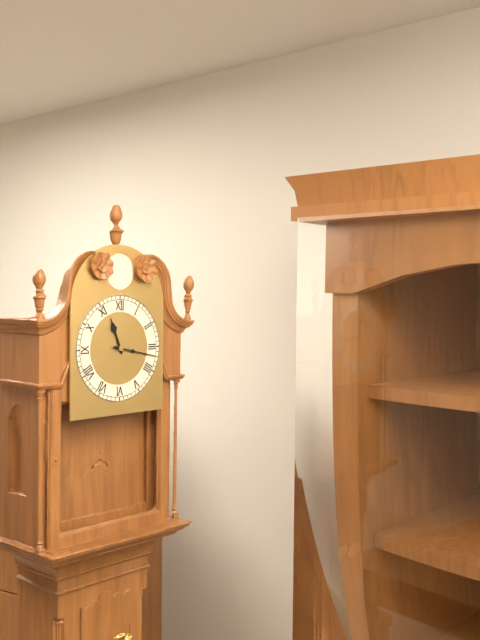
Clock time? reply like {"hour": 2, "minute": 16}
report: {"hour": 11, "minute": 17}
